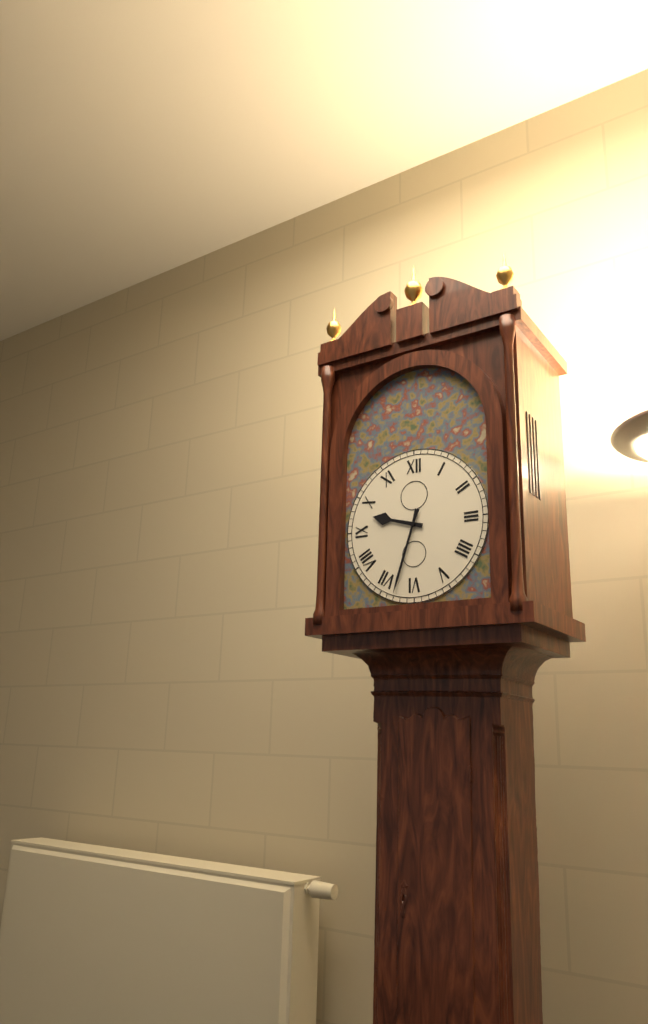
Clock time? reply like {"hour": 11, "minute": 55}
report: {"hour": 9, "minute": 33}
